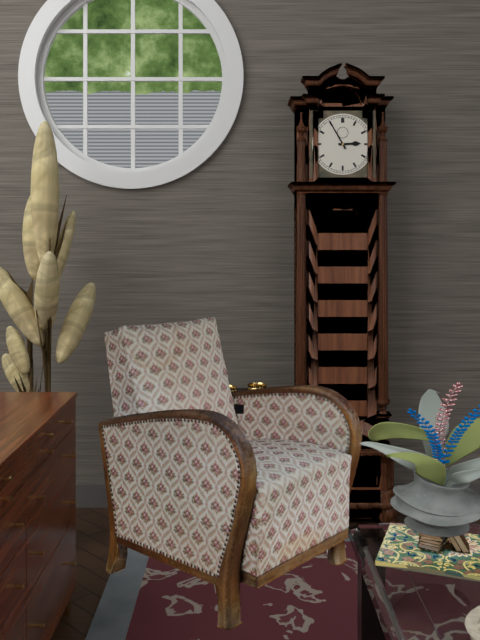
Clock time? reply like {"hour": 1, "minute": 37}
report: {"hour": 2, "minute": 55}
